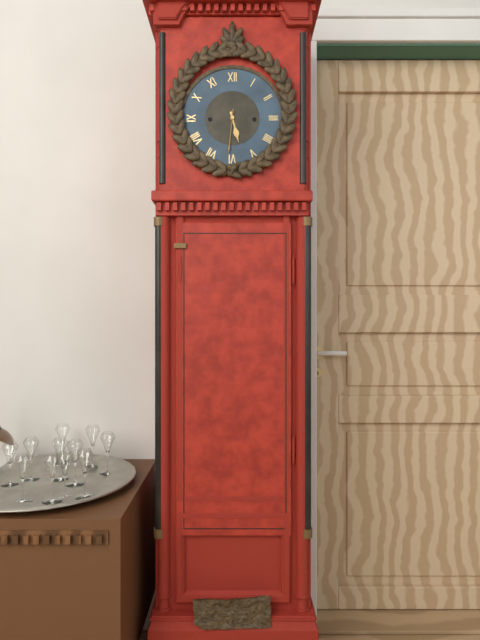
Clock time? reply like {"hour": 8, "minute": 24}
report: {"hour": 5, "minute": 31}
